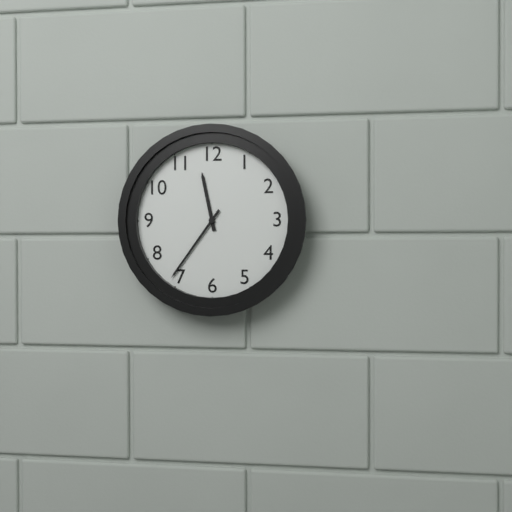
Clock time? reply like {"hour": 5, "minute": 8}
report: {"hour": 11, "minute": 36}
